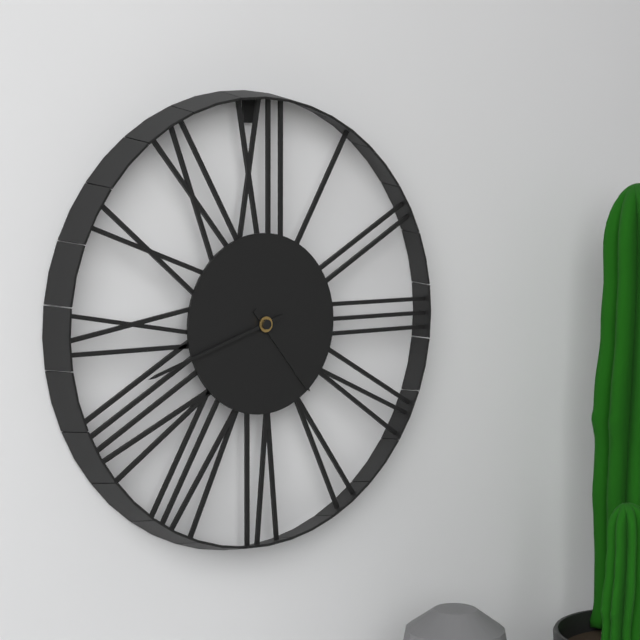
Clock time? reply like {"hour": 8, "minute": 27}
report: {"hour": 4, "minute": 42}
